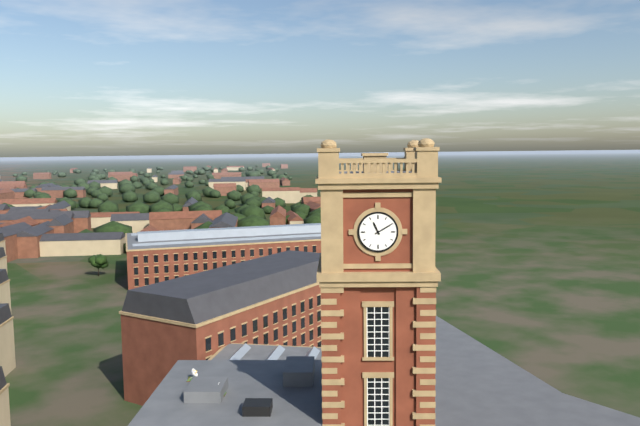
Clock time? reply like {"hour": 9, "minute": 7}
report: {"hour": 11, "minute": 10}
